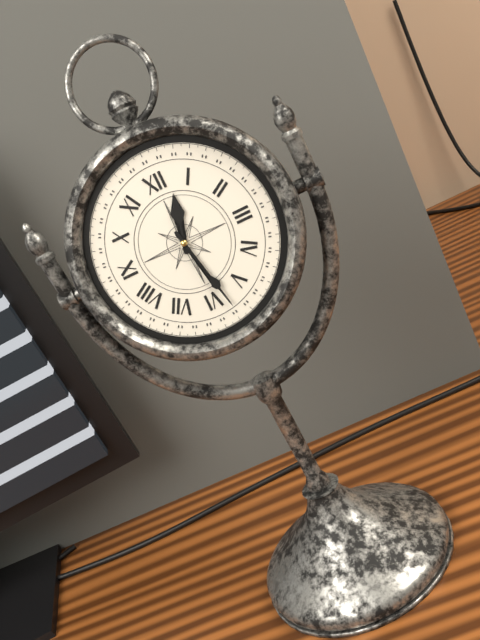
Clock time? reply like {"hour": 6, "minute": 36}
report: {"hour": 12, "minute": 28}
